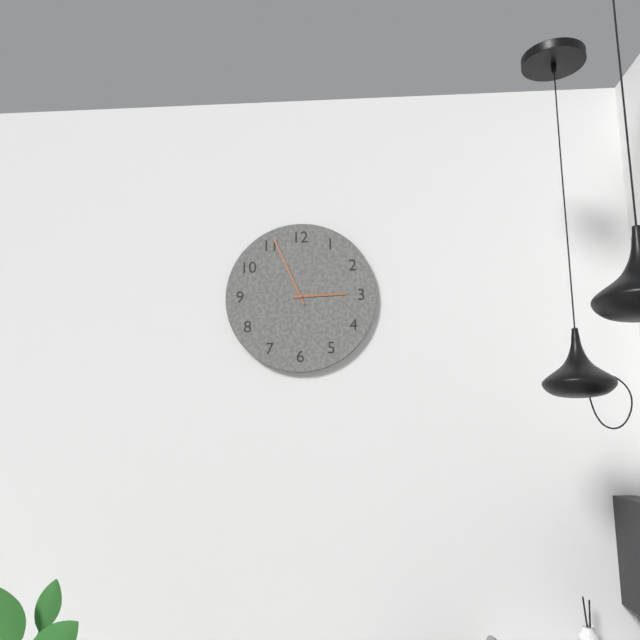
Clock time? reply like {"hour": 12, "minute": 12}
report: {"hour": 2, "minute": 56}
